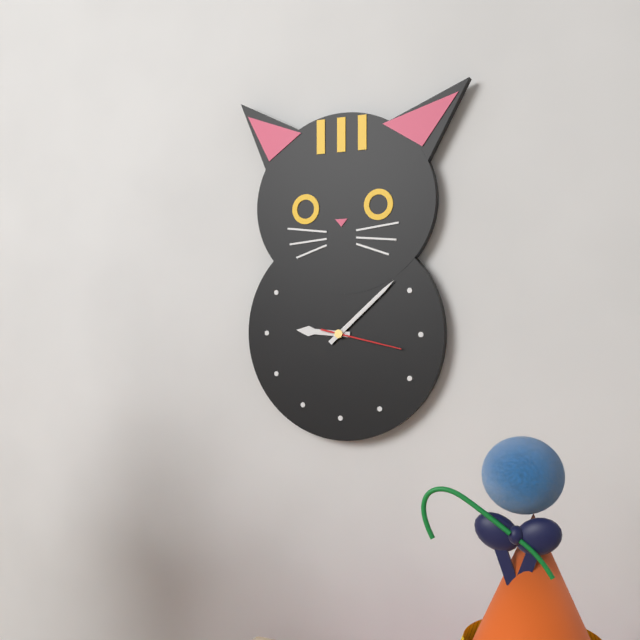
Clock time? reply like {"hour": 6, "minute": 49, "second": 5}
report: {"hour": 9, "minute": 8, "second": 17}
